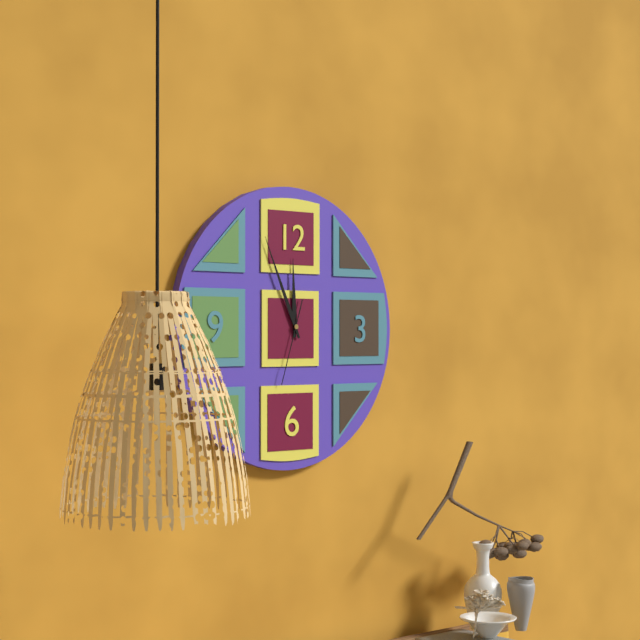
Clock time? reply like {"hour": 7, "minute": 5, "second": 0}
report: {"hour": 11, "minute": 56, "second": 33}
